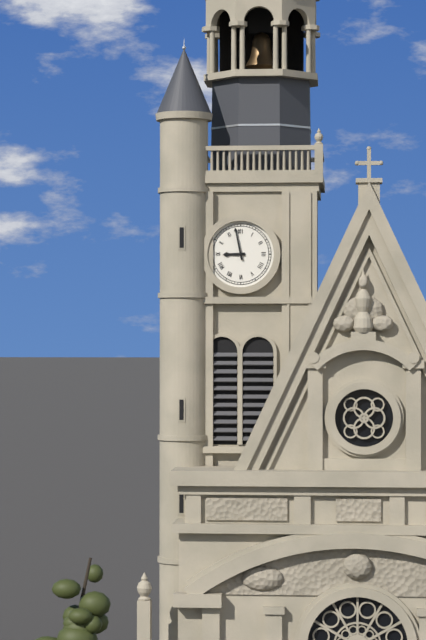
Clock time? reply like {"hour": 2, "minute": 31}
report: {"hour": 8, "minute": 58}
